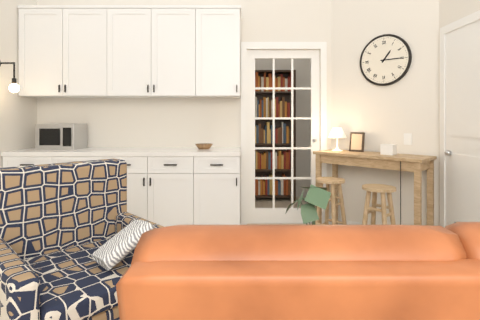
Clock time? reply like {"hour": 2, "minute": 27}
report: {"hour": 1, "minute": 15}
